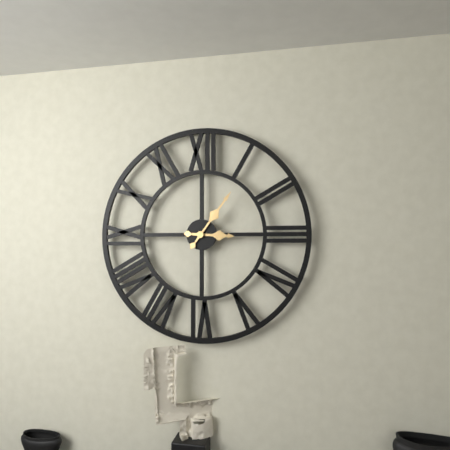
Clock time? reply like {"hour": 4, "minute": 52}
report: {"hour": 3, "minute": 6}
